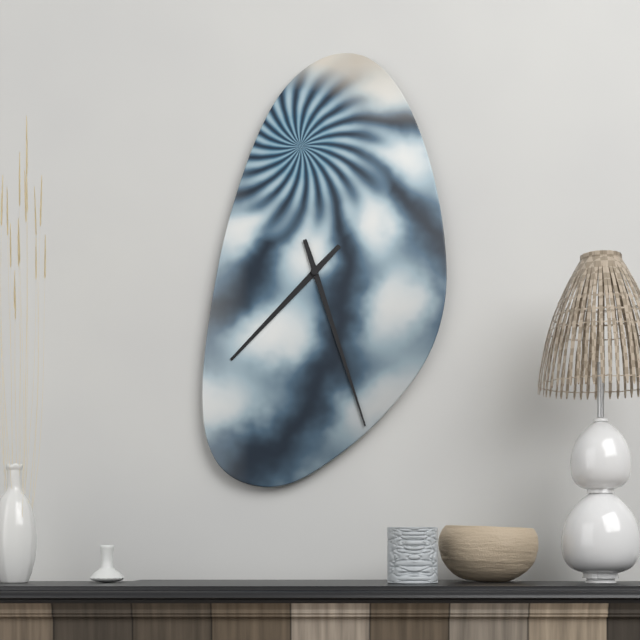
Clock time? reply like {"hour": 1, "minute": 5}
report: {"hour": 7, "minute": 27}
